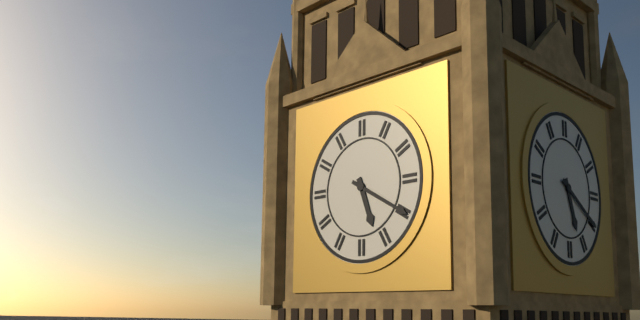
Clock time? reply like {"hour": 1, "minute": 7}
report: {"hour": 5, "minute": 20}
